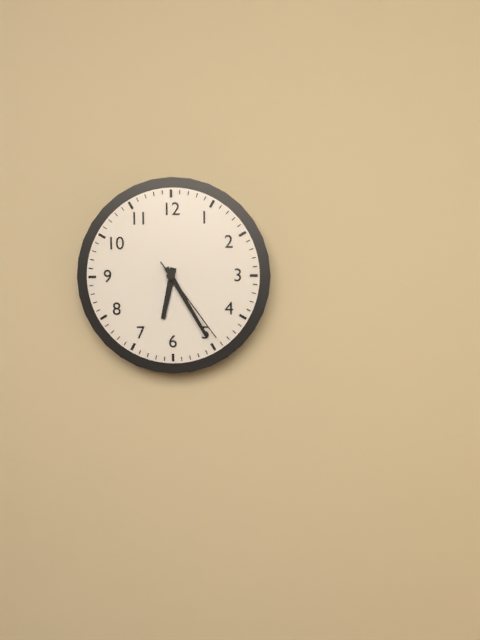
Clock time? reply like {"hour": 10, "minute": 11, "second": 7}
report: {"hour": 6, "minute": 25, "second": 24}
